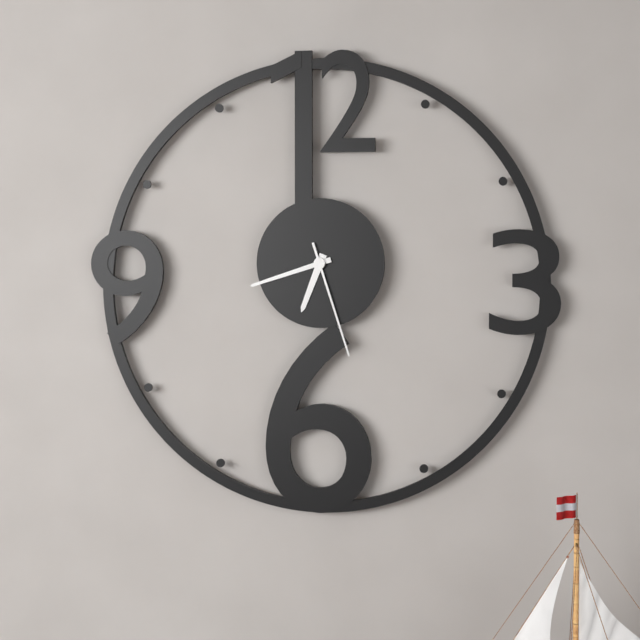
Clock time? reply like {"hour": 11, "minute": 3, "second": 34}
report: {"hour": 6, "minute": 42, "second": 27}
